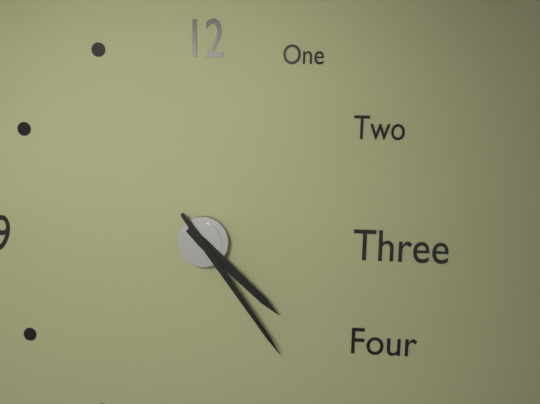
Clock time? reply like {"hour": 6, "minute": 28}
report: {"hour": 4, "minute": 24}
